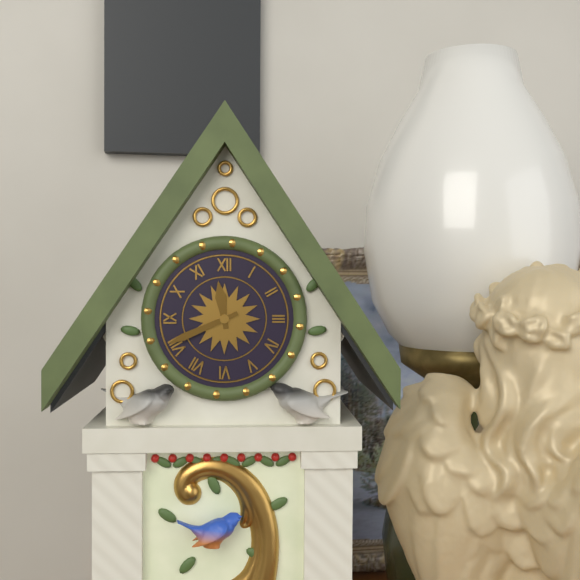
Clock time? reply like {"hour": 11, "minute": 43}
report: {"hour": 11, "minute": 41}
